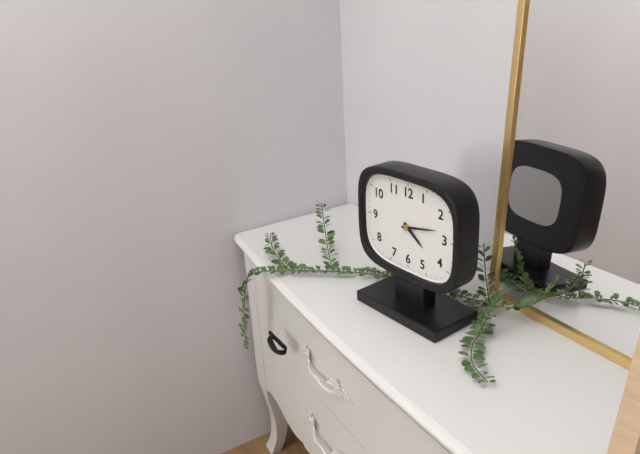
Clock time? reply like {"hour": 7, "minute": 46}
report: {"hour": 4, "minute": 13}
